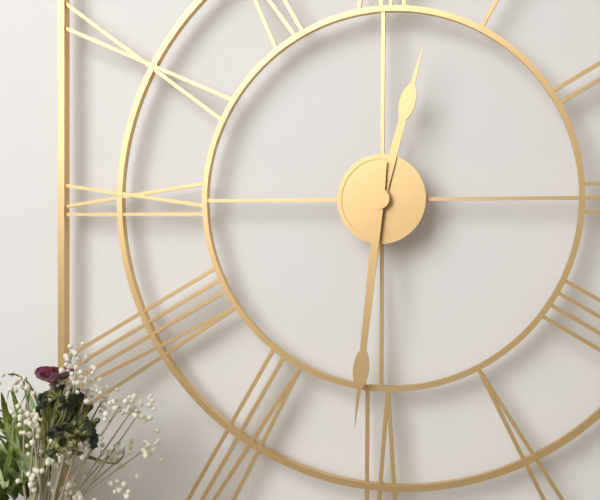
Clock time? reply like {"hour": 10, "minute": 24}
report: {"hour": 12, "minute": 31}
